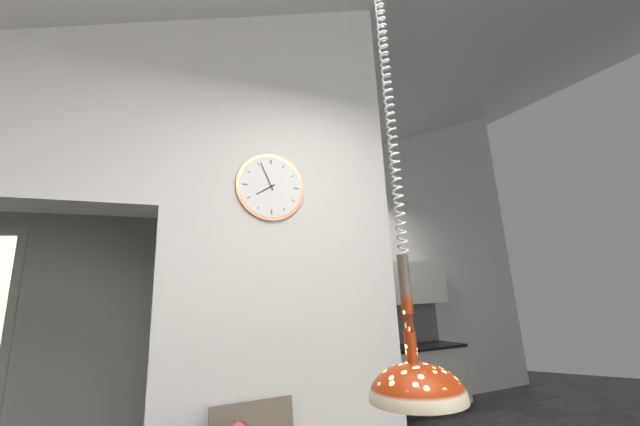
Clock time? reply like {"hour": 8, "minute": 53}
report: {"hour": 7, "minute": 56}
